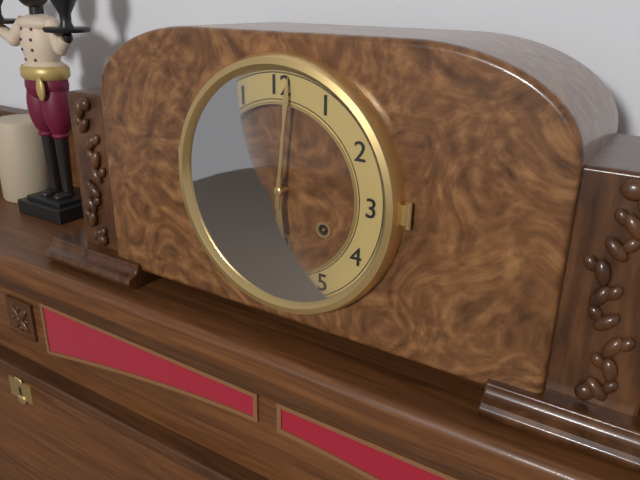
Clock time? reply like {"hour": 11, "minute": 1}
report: {"hour": 6, "minute": 1}
